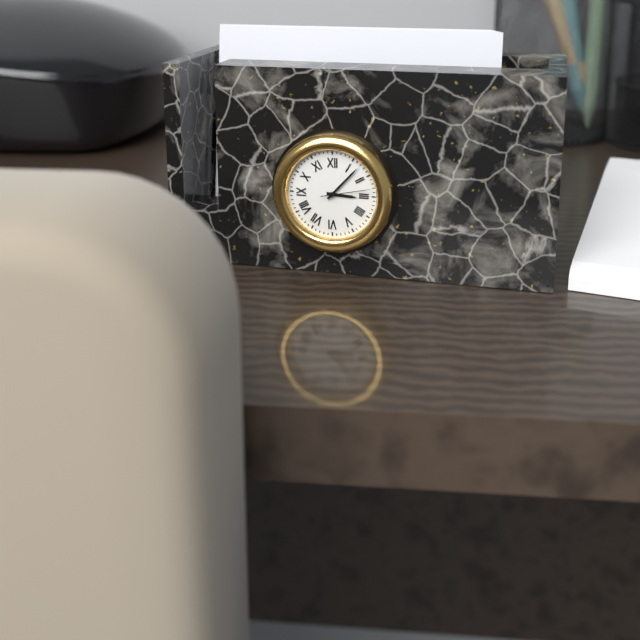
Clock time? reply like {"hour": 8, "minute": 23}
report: {"hour": 3, "minute": 7}
